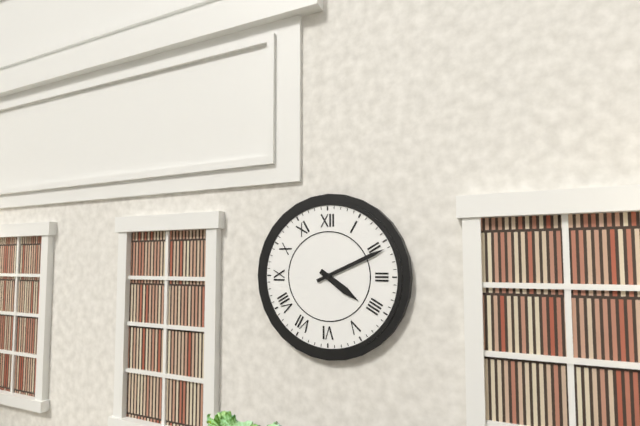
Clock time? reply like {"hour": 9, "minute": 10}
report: {"hour": 4, "minute": 11}
